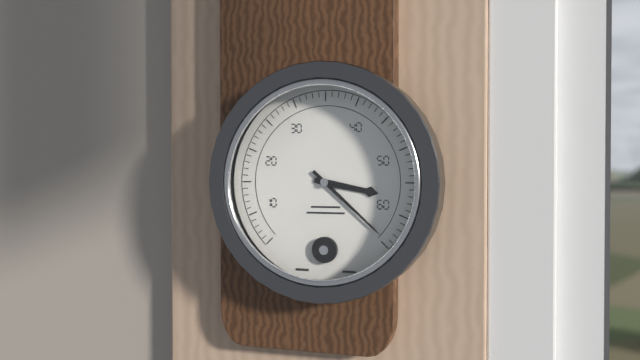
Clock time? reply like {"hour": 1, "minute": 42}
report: {"hour": 3, "minute": 22}
